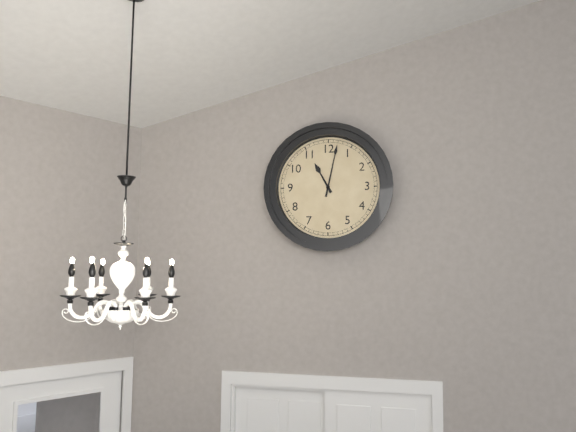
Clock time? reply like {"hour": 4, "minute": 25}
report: {"hour": 11, "minute": 2}
